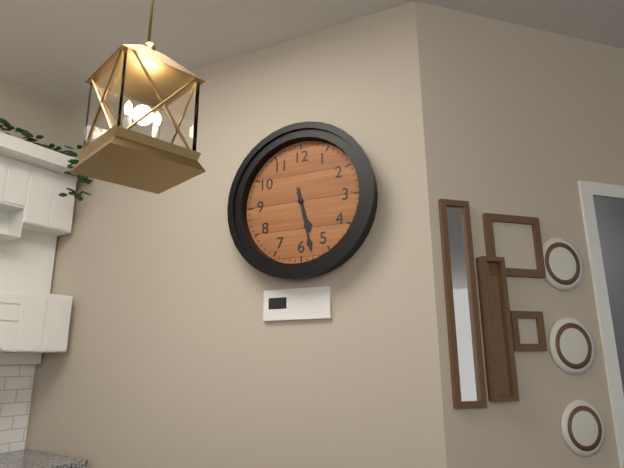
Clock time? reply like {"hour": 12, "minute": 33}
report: {"hour": 5, "minute": 28}
